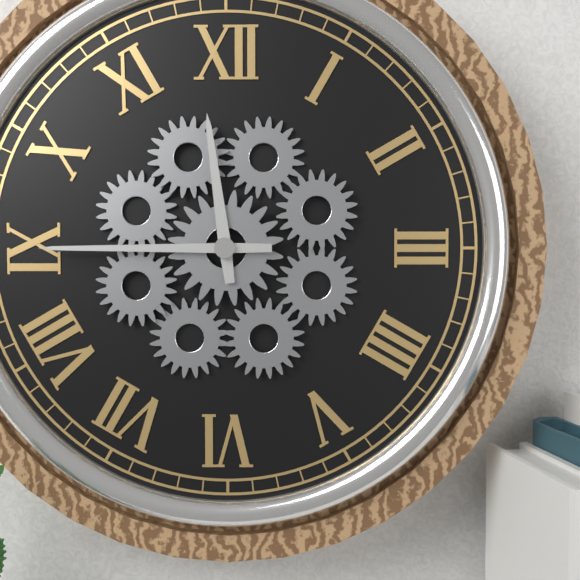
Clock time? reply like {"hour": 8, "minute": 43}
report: {"hour": 11, "minute": 45}
